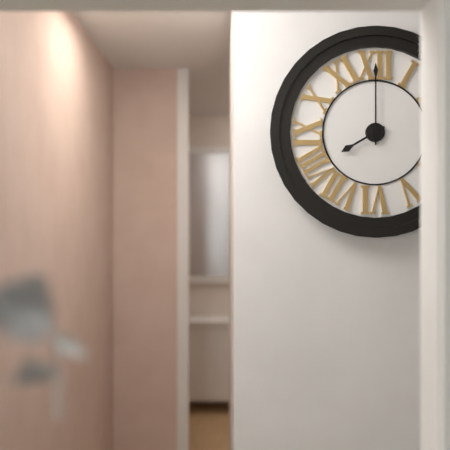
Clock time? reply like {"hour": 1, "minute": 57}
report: {"hour": 8, "minute": 0}
